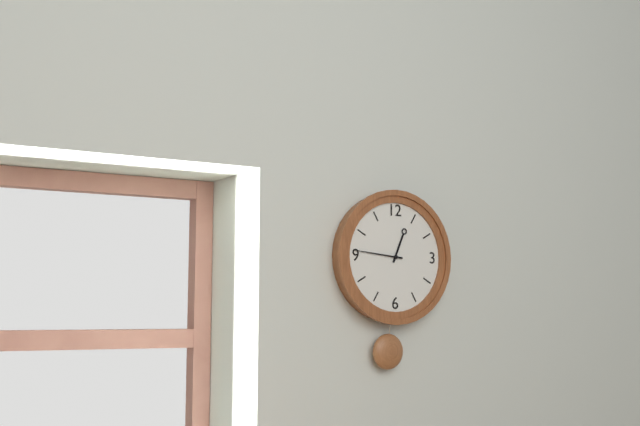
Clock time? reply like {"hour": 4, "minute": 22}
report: {"hour": 12, "minute": 46}
